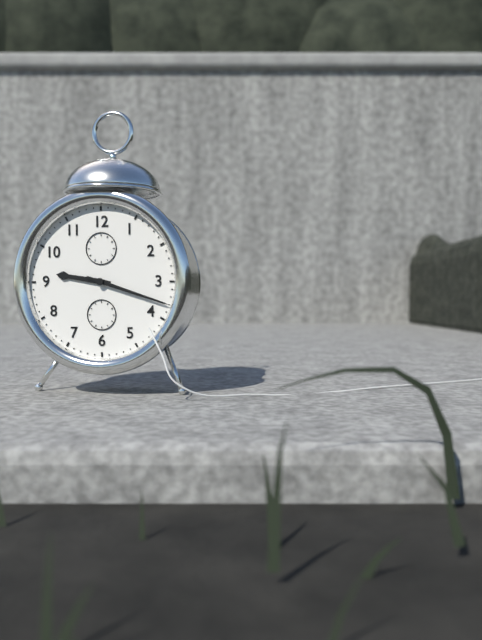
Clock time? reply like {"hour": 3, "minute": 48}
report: {"hour": 9, "minute": 18}
